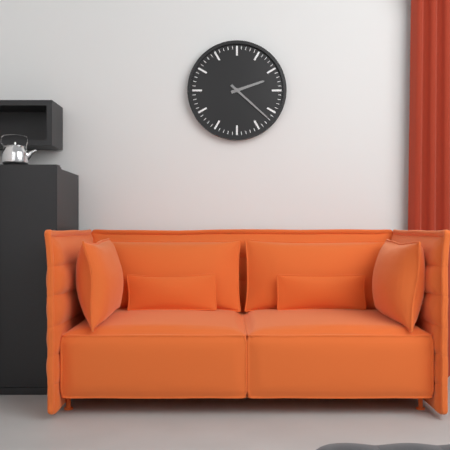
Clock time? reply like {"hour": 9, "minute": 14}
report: {"hour": 2, "minute": 22}
